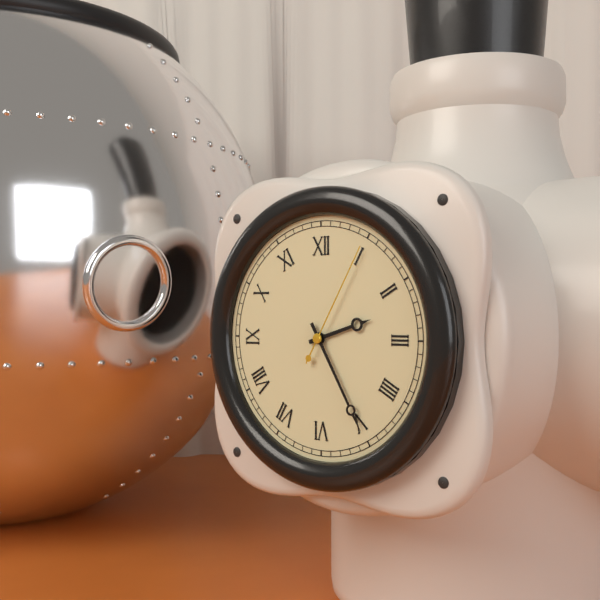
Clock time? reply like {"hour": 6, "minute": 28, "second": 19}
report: {"hour": 2, "minute": 25, "second": 5}
